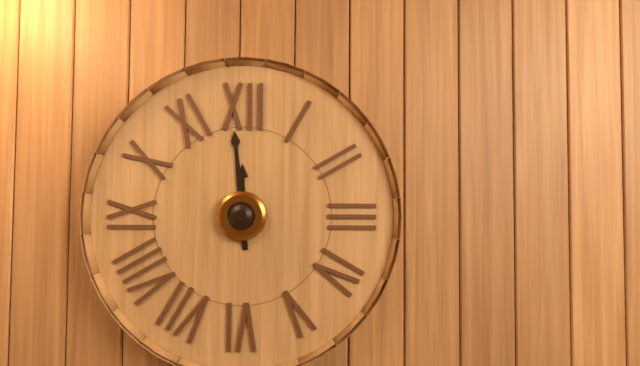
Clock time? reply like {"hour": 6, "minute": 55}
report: {"hour": 11, "minute": 59}
